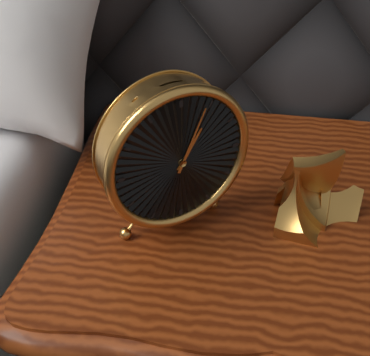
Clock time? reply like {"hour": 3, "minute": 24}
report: {"hour": 1, "minute": 4}
